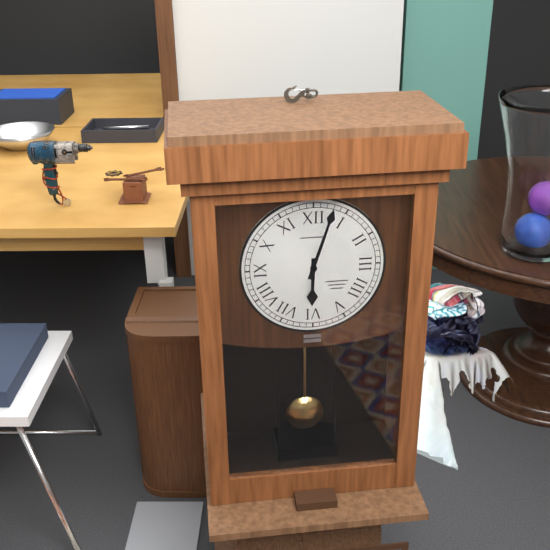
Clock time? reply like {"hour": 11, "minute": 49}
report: {"hour": 6, "minute": 3}
